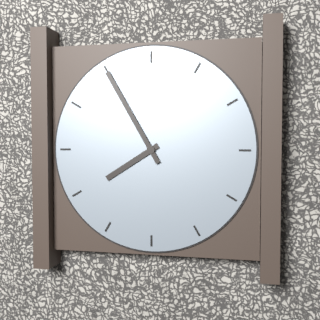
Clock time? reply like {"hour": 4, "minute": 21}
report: {"hour": 7, "minute": 55}
